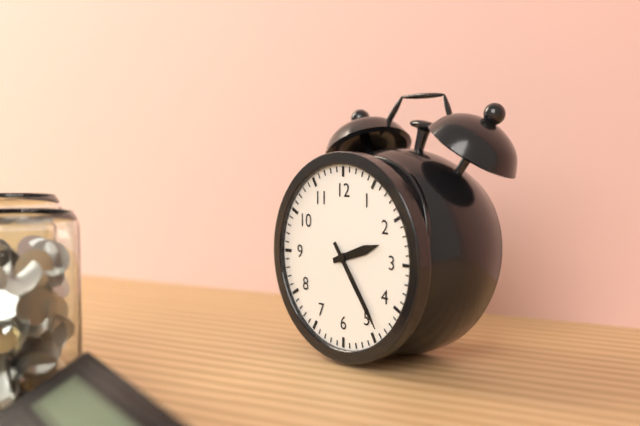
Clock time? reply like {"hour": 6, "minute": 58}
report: {"hour": 2, "minute": 24}
